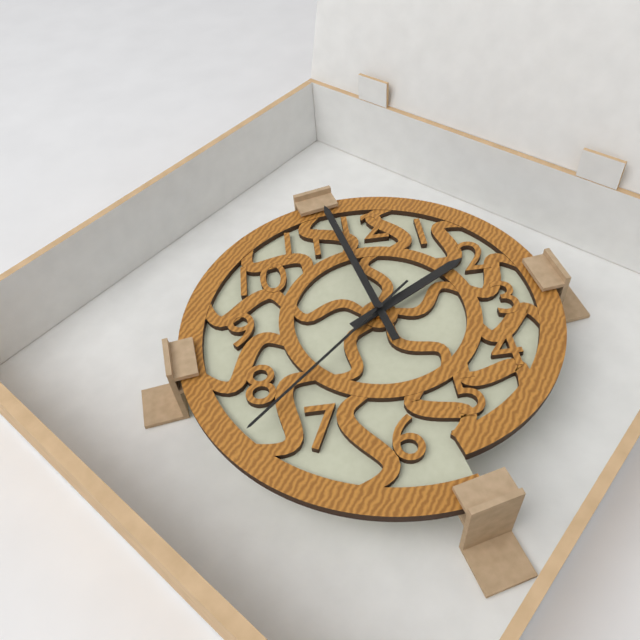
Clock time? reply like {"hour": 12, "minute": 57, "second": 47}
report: {"hour": 1, "minute": 58, "second": 38}
